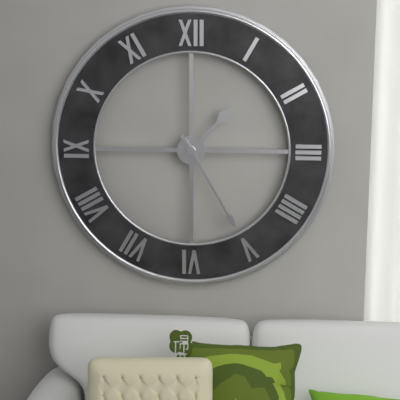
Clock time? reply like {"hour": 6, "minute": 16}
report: {"hour": 1, "minute": 25}
